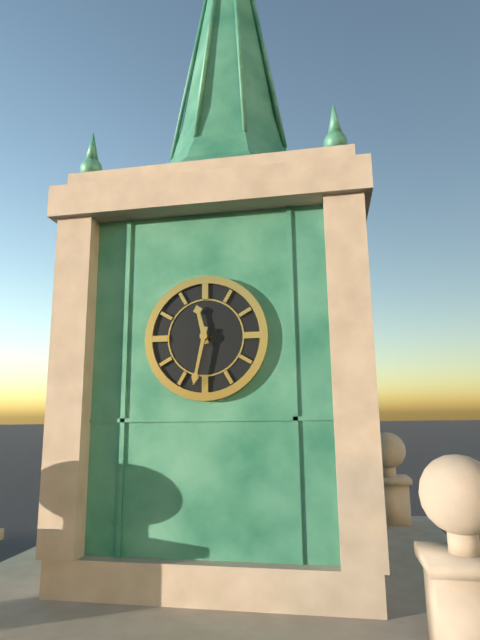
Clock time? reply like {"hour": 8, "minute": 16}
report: {"hour": 11, "minute": 32}
